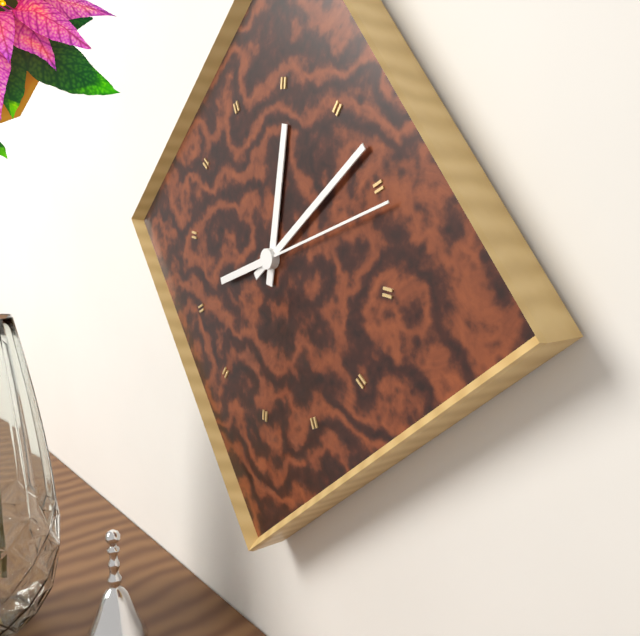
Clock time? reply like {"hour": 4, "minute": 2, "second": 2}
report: {"hour": 12, "minute": 8, "second": 11}
